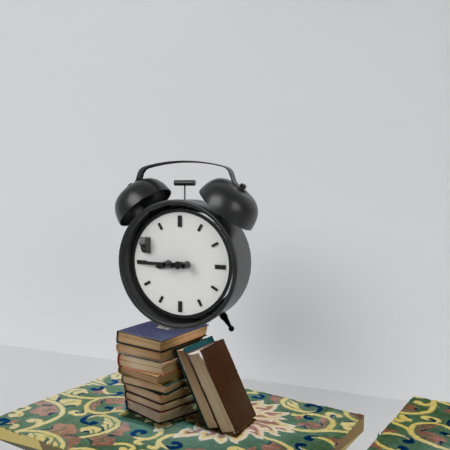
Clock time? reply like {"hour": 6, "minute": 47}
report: {"hour": 8, "minute": 45}
